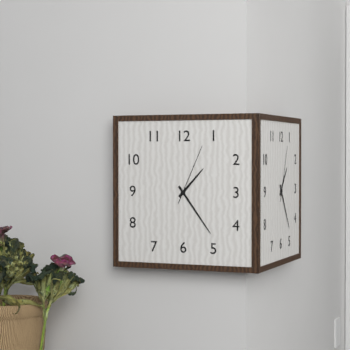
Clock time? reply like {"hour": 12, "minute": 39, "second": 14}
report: {"hour": 1, "minute": 24, "second": 4}
